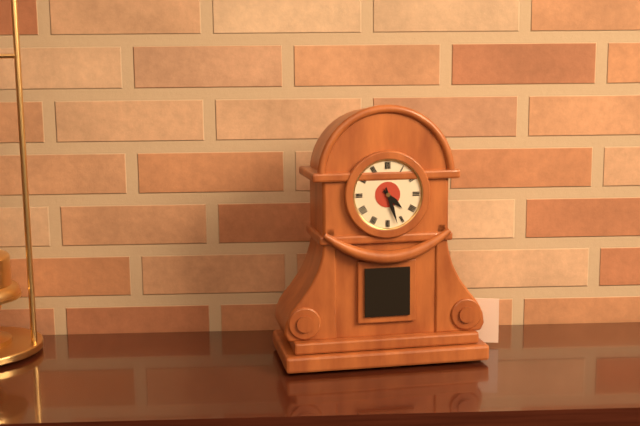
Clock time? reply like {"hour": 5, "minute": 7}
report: {"hour": 4, "minute": 27}
